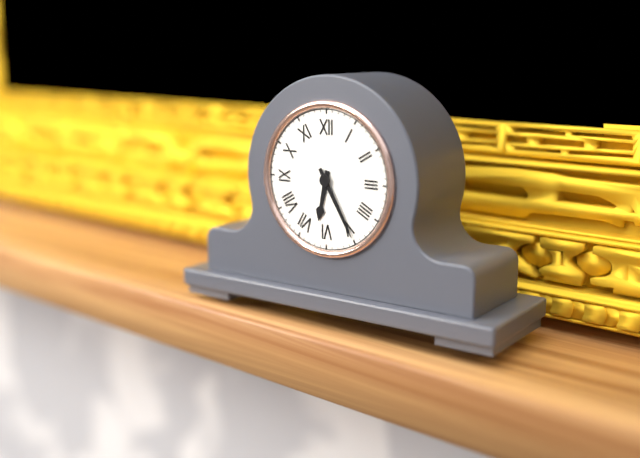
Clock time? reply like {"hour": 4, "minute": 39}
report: {"hour": 6, "minute": 25}
